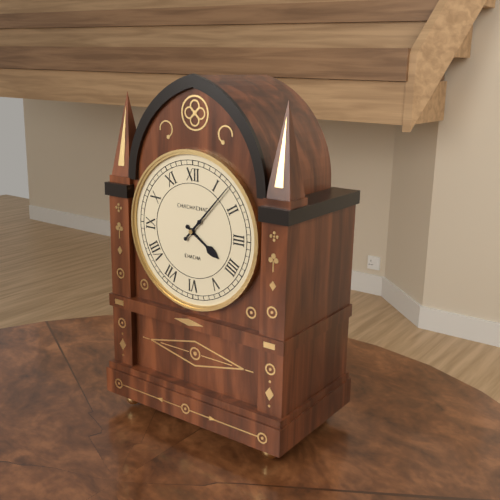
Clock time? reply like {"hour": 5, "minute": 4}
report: {"hour": 4, "minute": 7}
